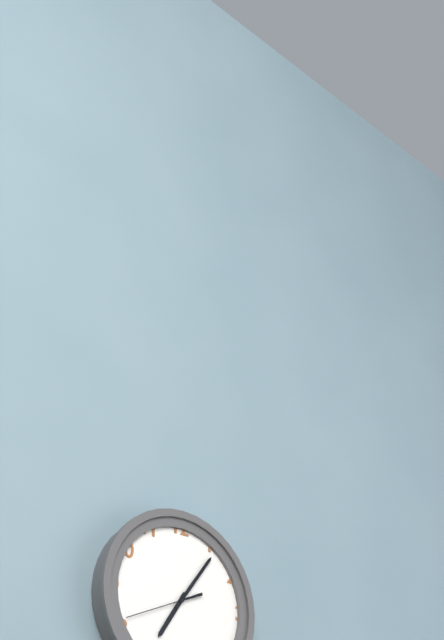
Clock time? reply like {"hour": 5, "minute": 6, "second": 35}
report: {"hour": 7, "minute": 6, "second": 41}
